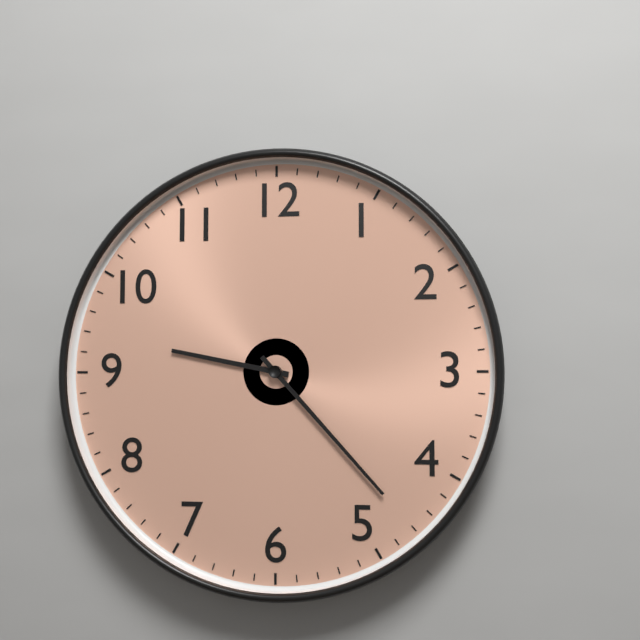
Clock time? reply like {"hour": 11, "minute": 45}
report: {"hour": 9, "minute": 23}
